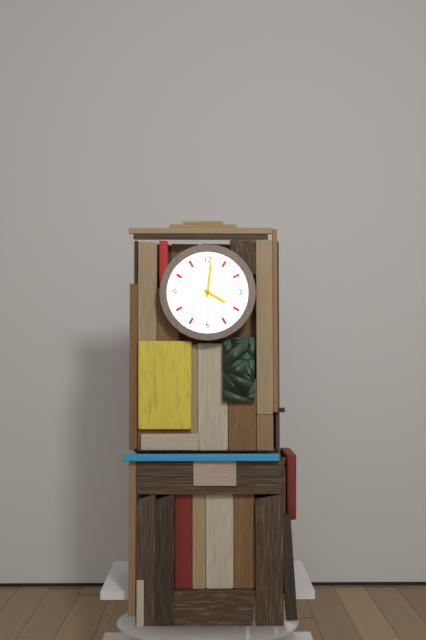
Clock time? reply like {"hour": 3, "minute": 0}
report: {"hour": 4, "minute": 1}
